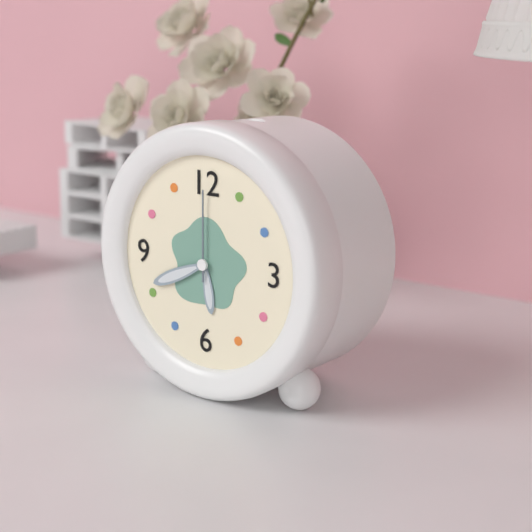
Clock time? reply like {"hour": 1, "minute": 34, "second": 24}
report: {"hour": 5, "minute": 41, "second": 0}
